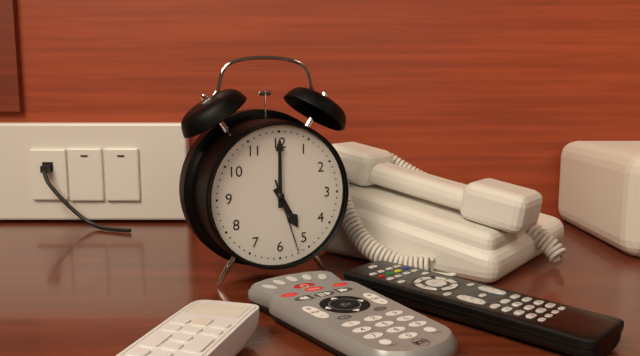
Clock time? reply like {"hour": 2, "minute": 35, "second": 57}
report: {"hour": 5, "minute": 0, "second": 27}
